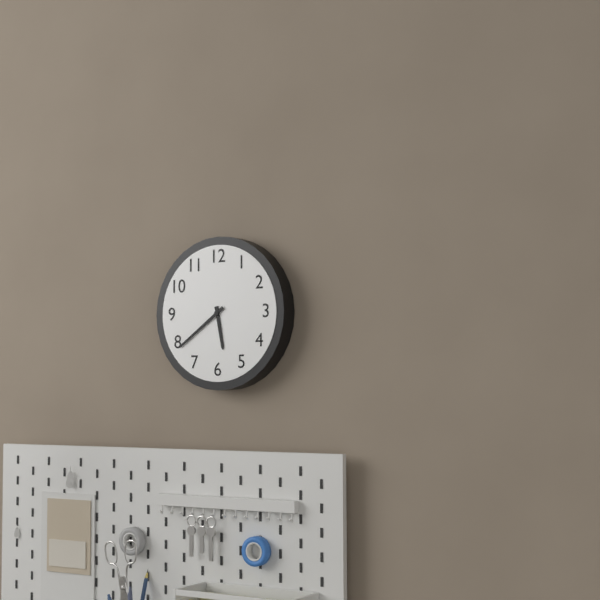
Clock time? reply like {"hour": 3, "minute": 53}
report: {"hour": 5, "minute": 39}
